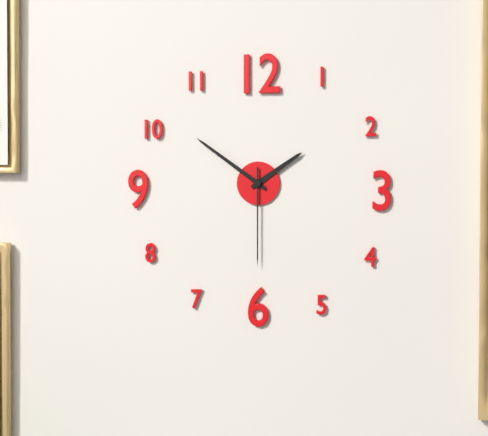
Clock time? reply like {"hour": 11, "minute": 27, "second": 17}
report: {"hour": 1, "minute": 51, "second": 30}
